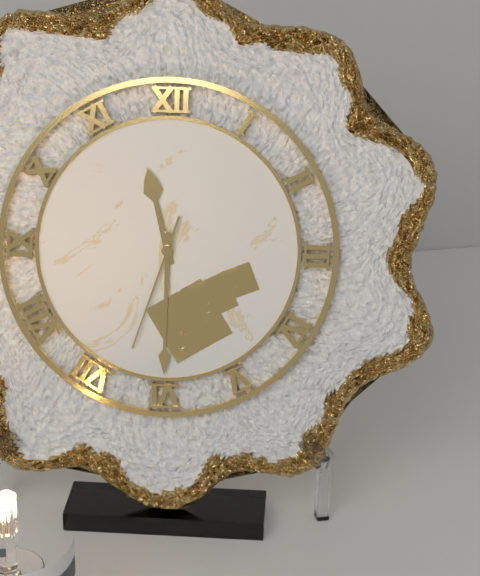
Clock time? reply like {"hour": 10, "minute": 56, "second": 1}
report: {"hour": 11, "minute": 30, "second": 33}
